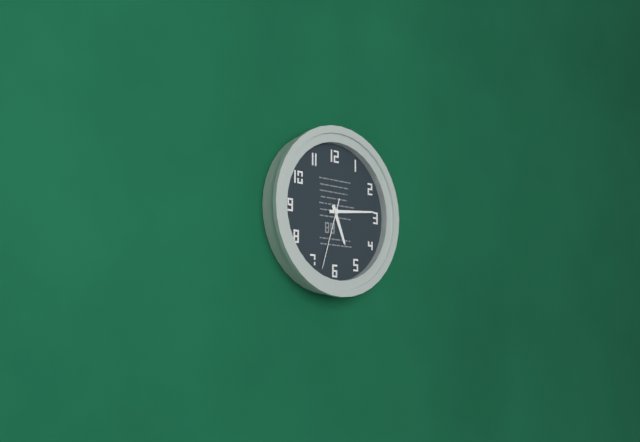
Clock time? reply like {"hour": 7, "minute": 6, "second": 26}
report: {"hour": 5, "minute": 14, "second": 33}
